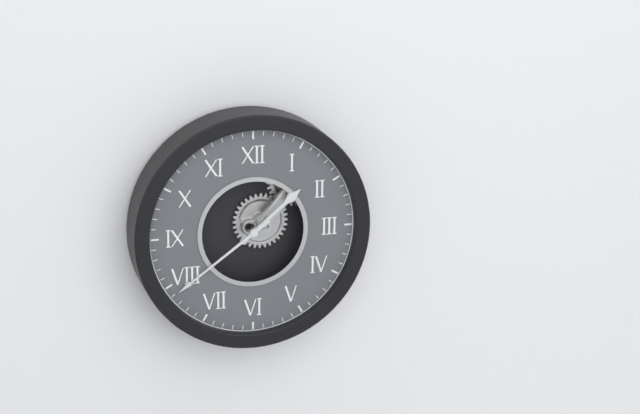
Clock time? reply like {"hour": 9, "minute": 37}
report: {"hour": 1, "minute": 39}
